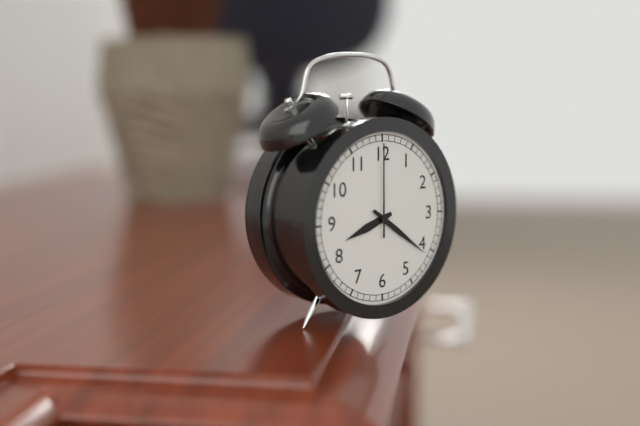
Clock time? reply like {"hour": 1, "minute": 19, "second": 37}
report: {"hour": 8, "minute": 21, "second": 0}
